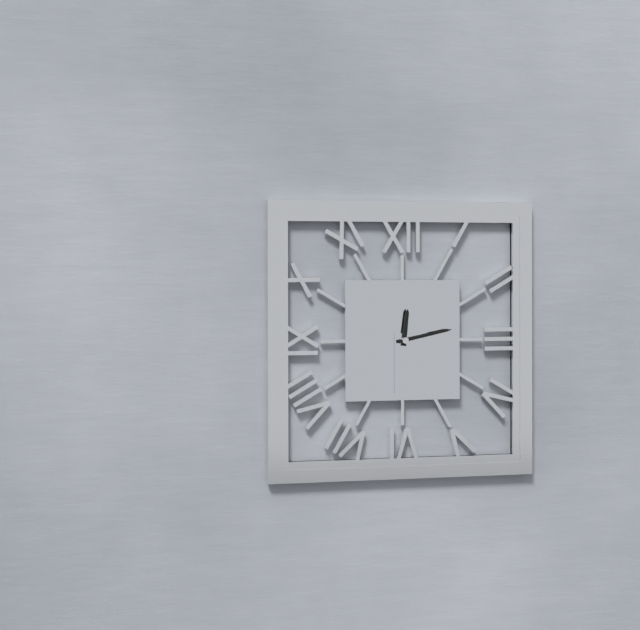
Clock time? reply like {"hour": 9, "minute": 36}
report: {"hour": 12, "minute": 13}
